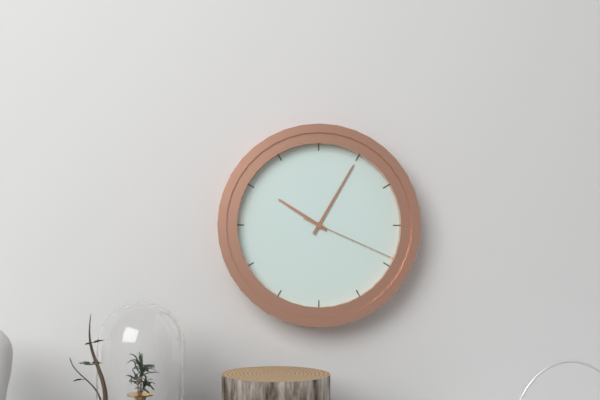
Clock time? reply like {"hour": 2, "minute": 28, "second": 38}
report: {"hour": 10, "minute": 5, "second": 19}
